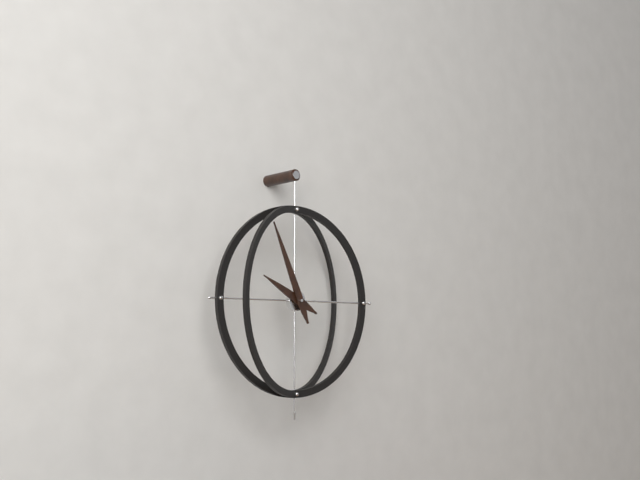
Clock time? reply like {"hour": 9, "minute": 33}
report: {"hour": 9, "minute": 56}
